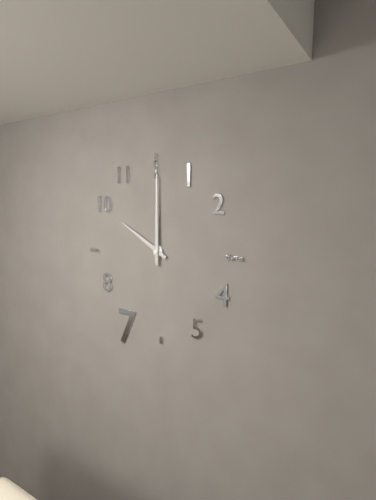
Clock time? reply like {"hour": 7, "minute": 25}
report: {"hour": 10, "minute": 0}
